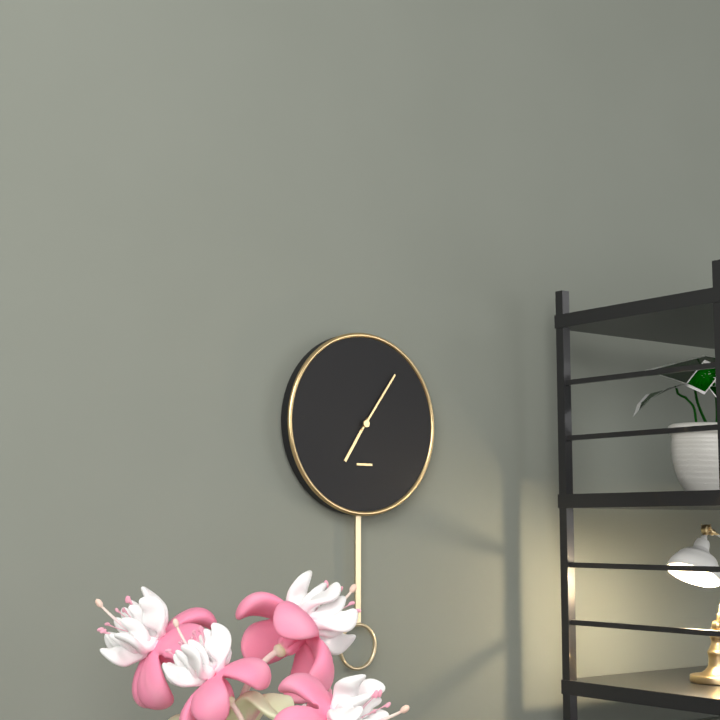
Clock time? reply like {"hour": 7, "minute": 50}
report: {"hour": 7, "minute": 6}
